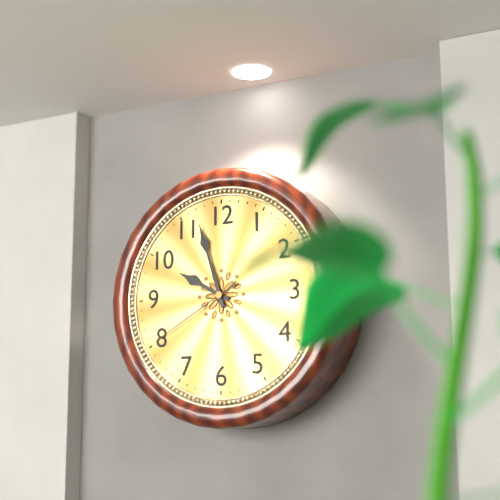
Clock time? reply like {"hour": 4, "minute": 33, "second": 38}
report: {"hour": 9, "minute": 57, "second": 40}
